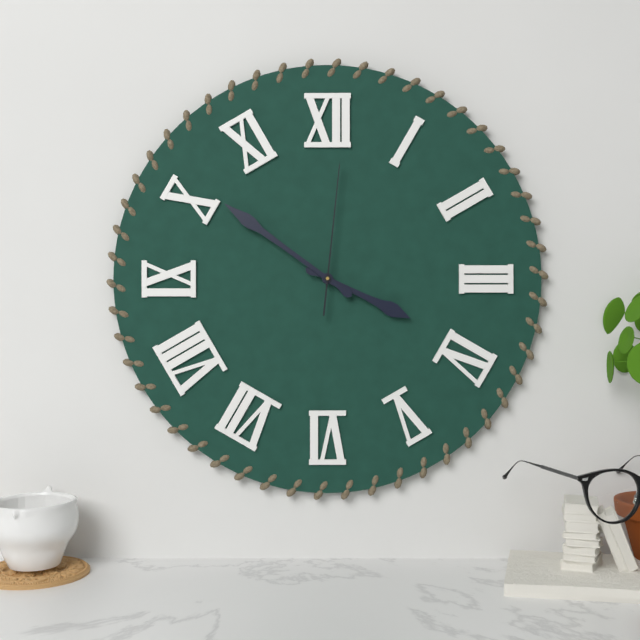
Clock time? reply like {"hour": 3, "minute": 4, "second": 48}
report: {"hour": 3, "minute": 51, "second": 1}
